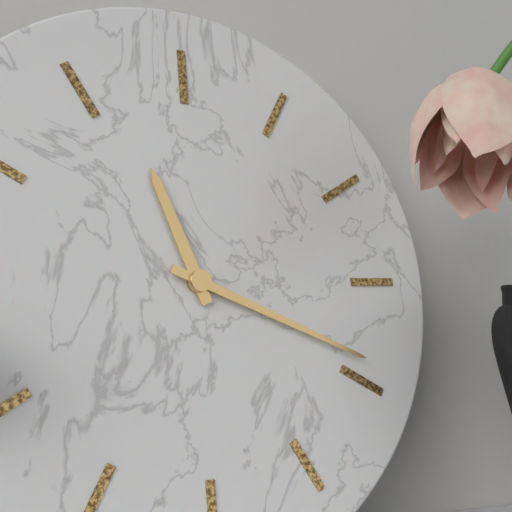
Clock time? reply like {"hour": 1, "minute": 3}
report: {"hour": 11, "minute": 19}
